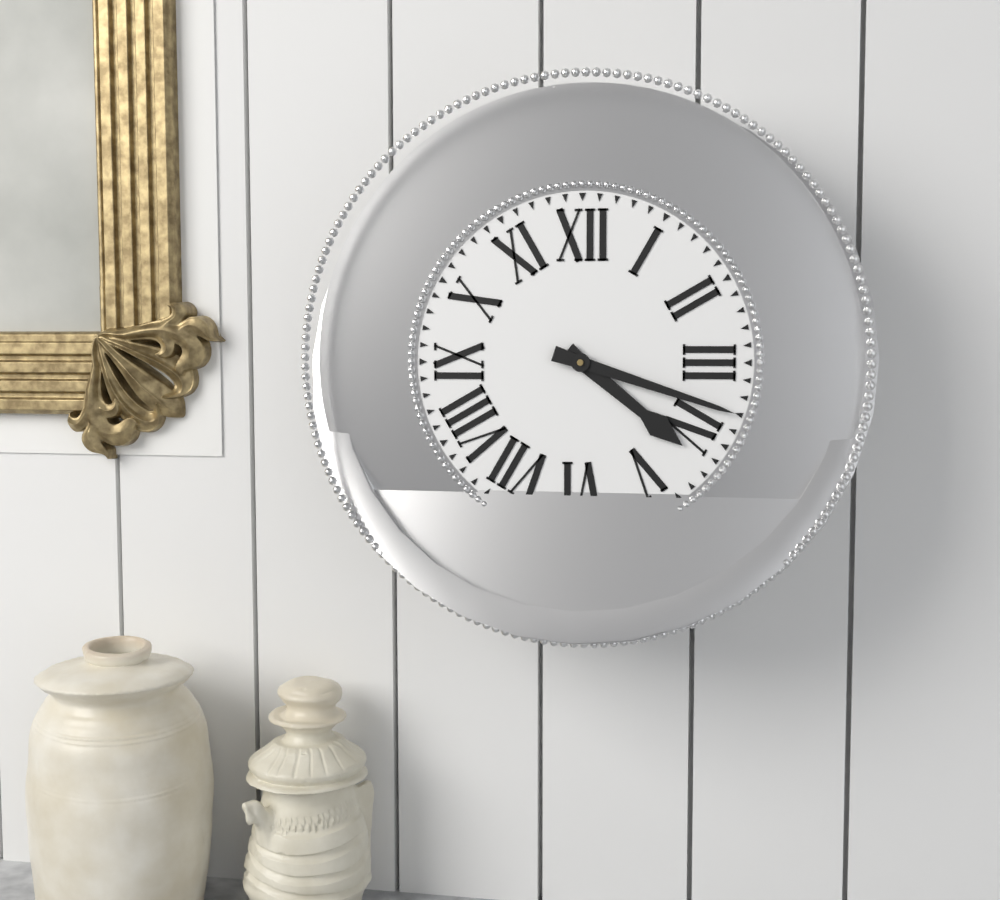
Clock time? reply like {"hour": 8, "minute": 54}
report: {"hour": 4, "minute": 18}
